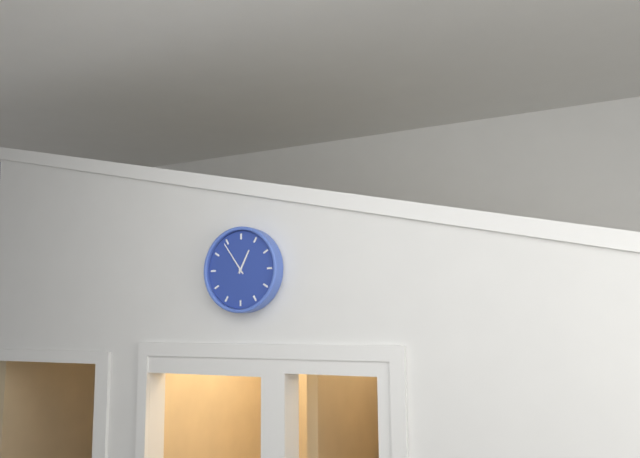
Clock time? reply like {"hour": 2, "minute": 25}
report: {"hour": 12, "minute": 54}
